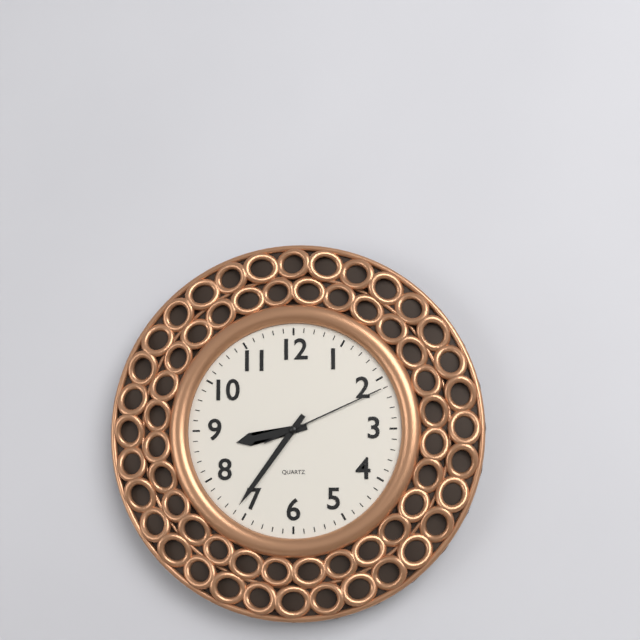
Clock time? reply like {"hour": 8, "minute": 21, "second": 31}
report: {"hour": 8, "minute": 36, "second": 11}
